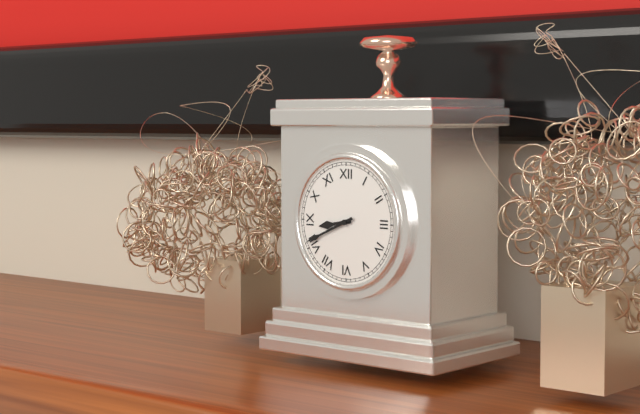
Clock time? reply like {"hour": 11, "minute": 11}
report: {"hour": 8, "minute": 41}
